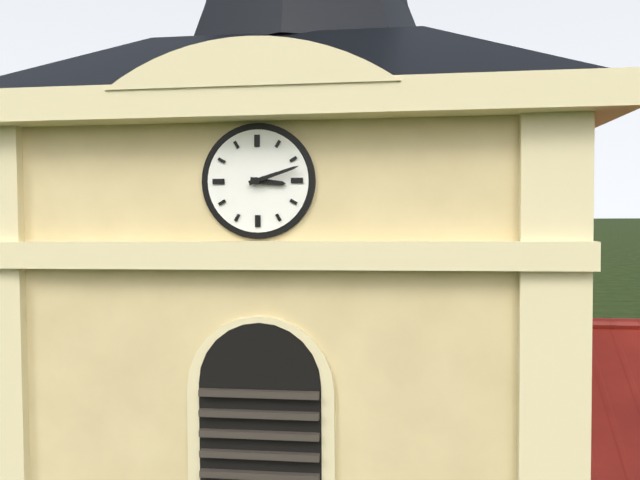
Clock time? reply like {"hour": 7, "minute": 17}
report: {"hour": 3, "minute": 12}
